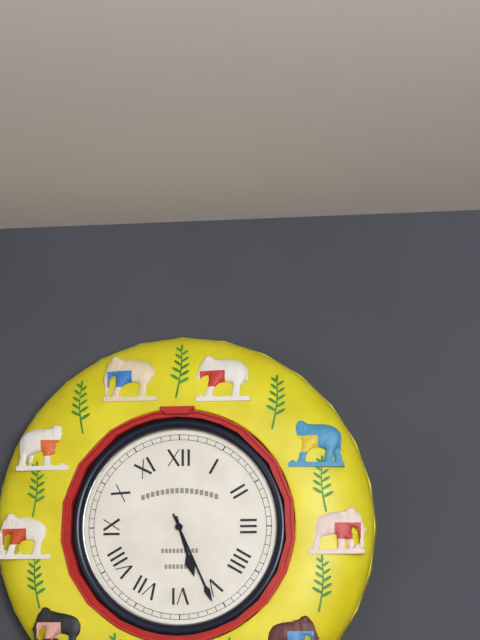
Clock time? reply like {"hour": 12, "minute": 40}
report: {"hour": 5, "minute": 26}
